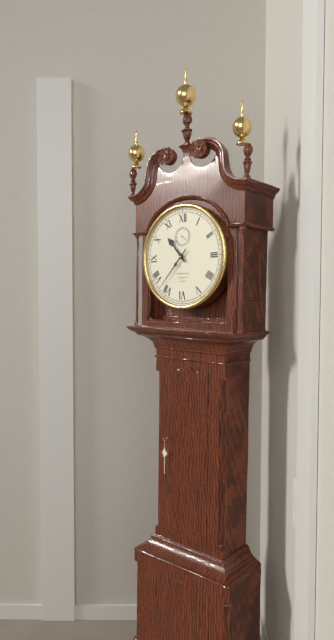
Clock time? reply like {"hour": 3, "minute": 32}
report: {"hour": 10, "minute": 37}
